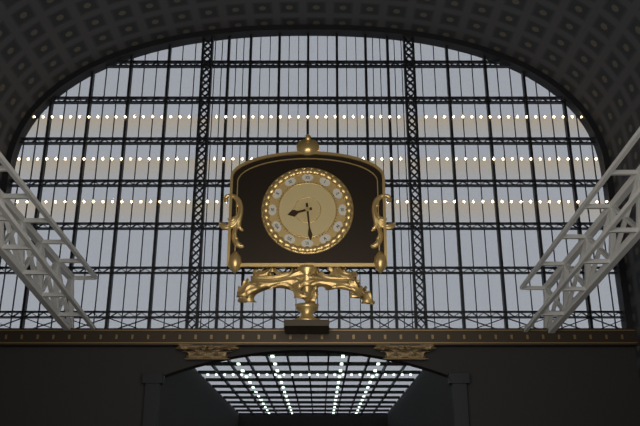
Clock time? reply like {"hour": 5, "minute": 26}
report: {"hour": 8, "minute": 29}
